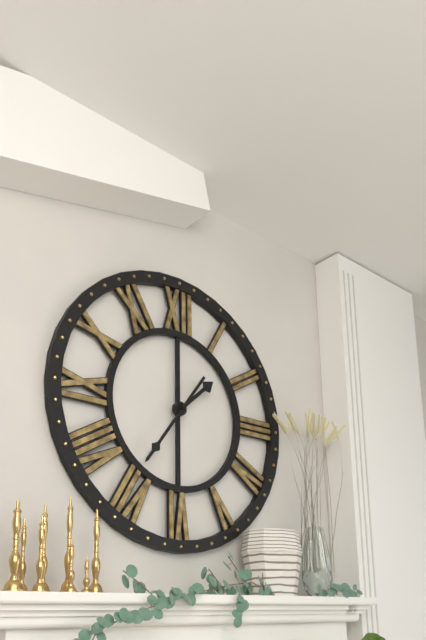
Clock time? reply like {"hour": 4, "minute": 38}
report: {"hour": 1, "minute": 36}
